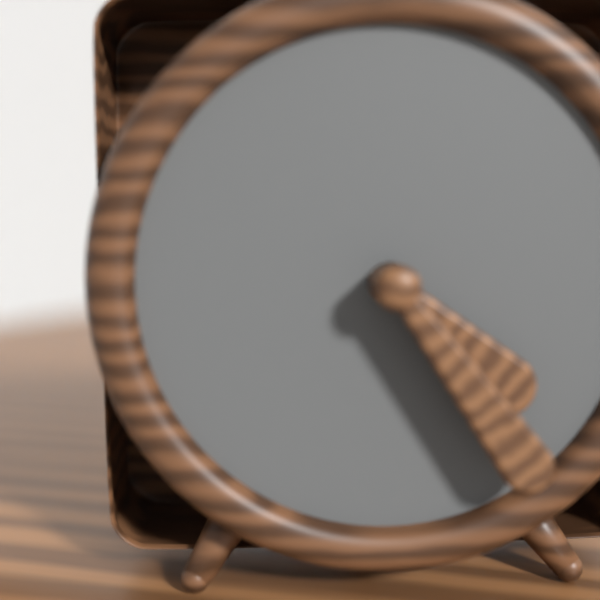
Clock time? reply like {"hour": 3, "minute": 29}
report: {"hour": 4, "minute": 24}
